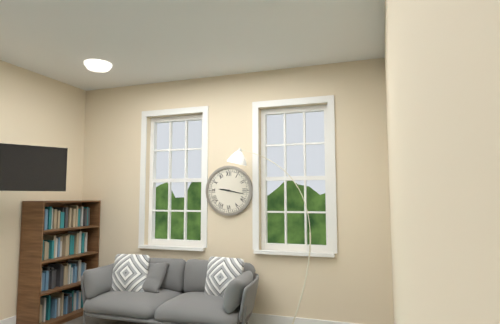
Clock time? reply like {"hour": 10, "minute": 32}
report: {"hour": 9, "minute": 17}
